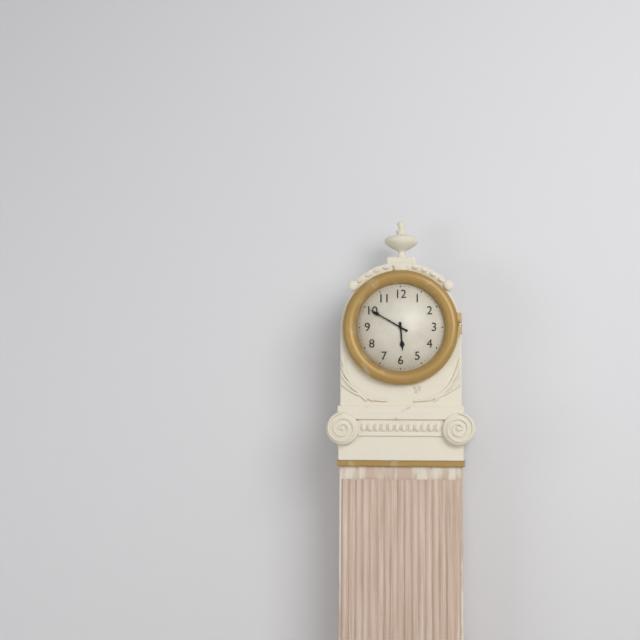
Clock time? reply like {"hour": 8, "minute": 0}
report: {"hour": 5, "minute": 50}
